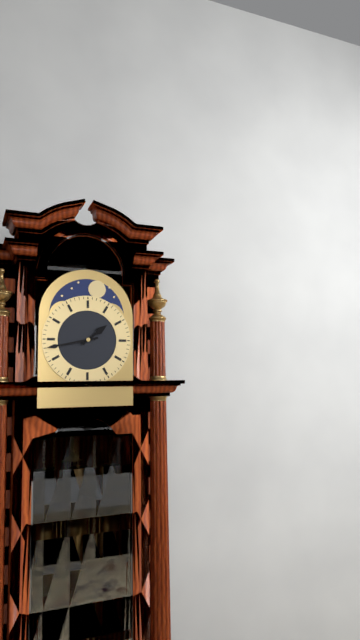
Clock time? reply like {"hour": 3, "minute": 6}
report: {"hour": 1, "minute": 43}
